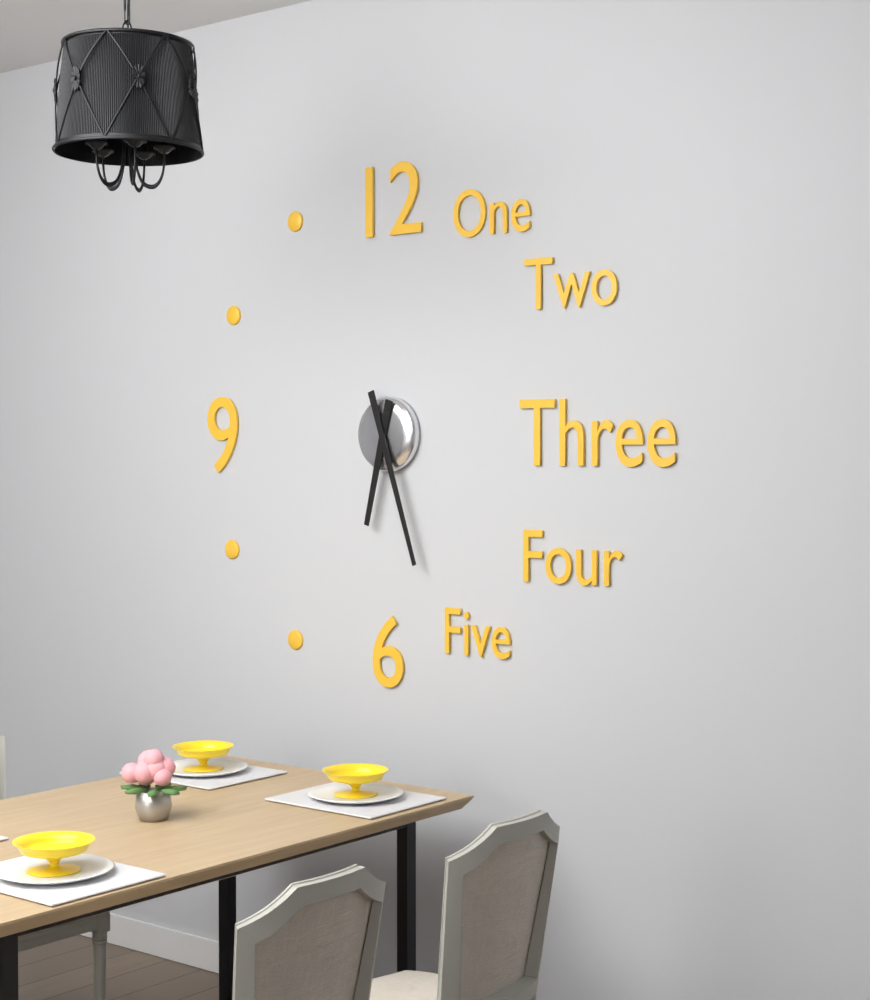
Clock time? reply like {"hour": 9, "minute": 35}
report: {"hour": 6, "minute": 27}
